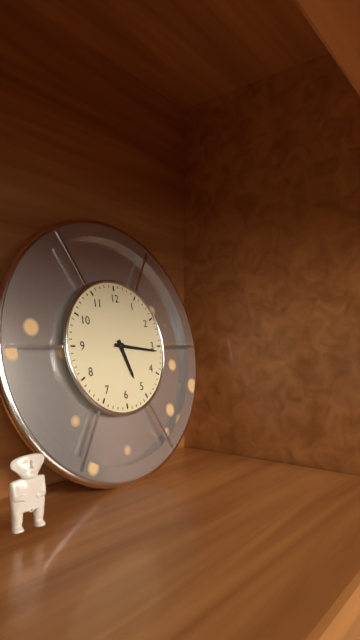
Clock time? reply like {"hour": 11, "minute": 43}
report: {"hour": 5, "minute": 16}
